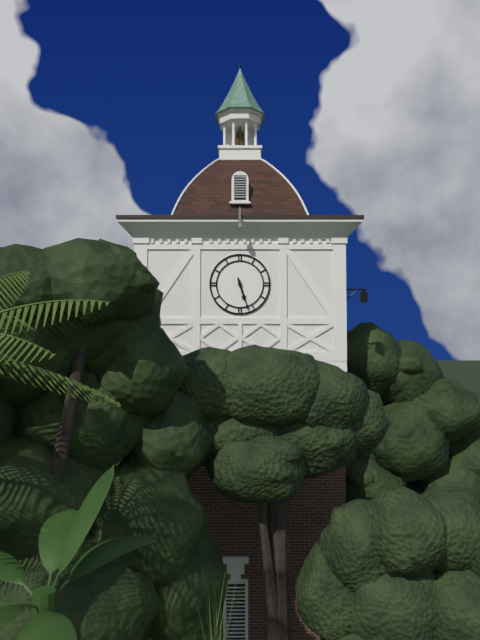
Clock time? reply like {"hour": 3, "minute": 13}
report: {"hour": 5, "minute": 27}
